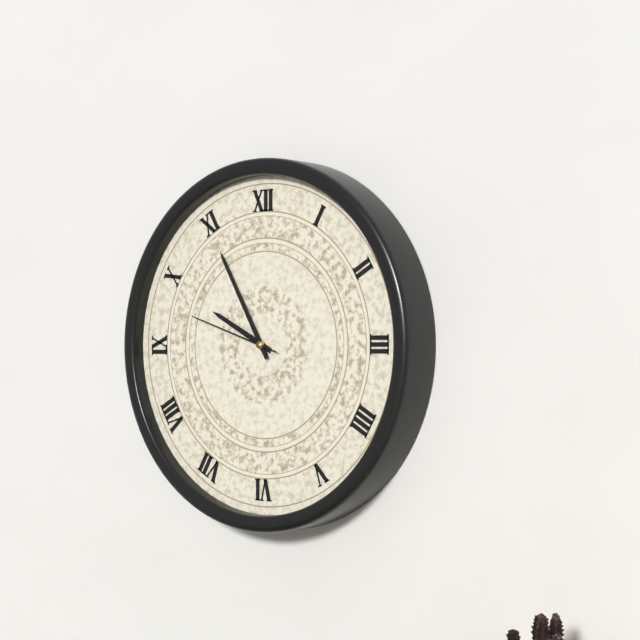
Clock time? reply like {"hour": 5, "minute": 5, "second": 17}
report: {"hour": 9, "minute": 55, "second": 48}
